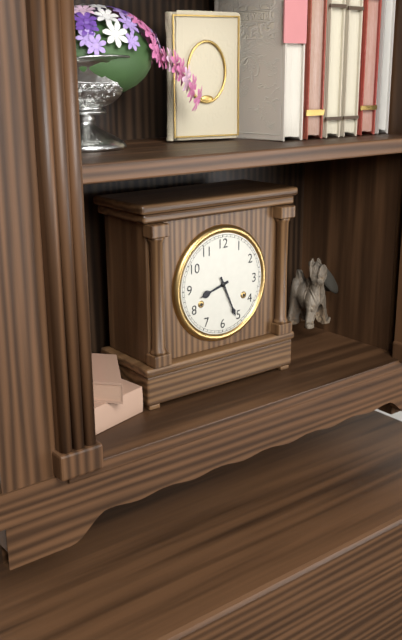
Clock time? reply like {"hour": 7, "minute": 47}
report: {"hour": 8, "minute": 26}
